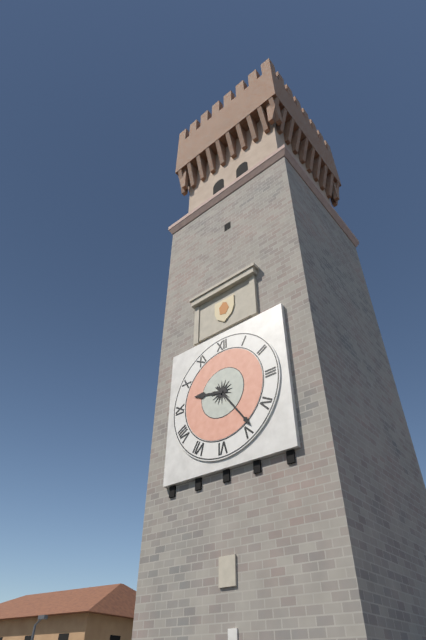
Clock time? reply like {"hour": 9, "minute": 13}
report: {"hour": 9, "minute": 24}
